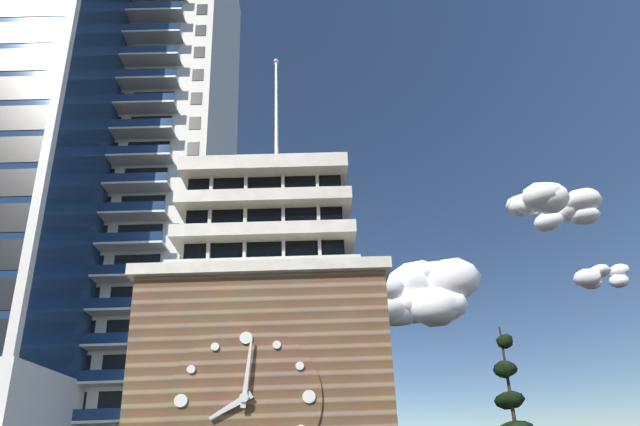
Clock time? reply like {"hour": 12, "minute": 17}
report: {"hour": 8, "minute": 1}
